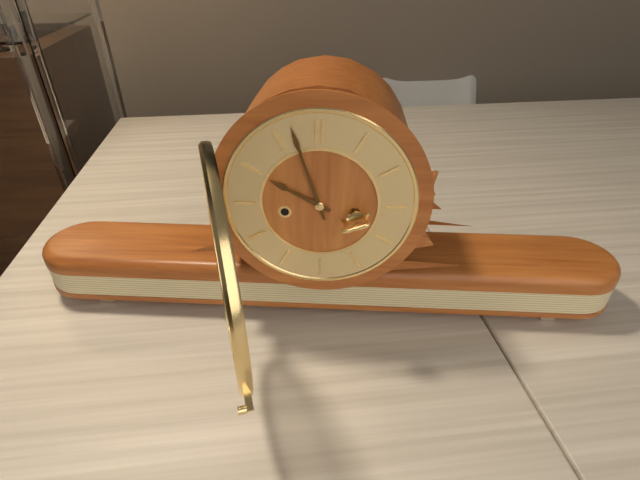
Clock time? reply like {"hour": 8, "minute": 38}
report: {"hour": 9, "minute": 57}
